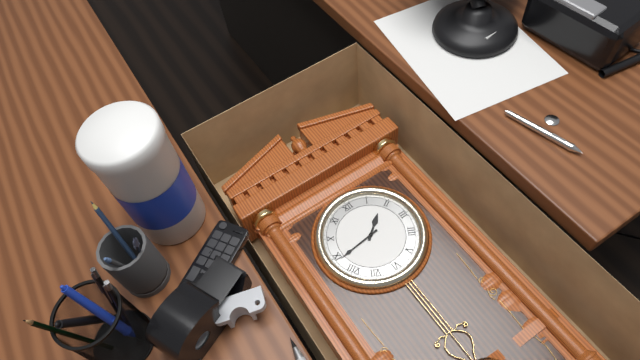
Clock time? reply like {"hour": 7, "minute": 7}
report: {"hour": 1, "minute": 44}
